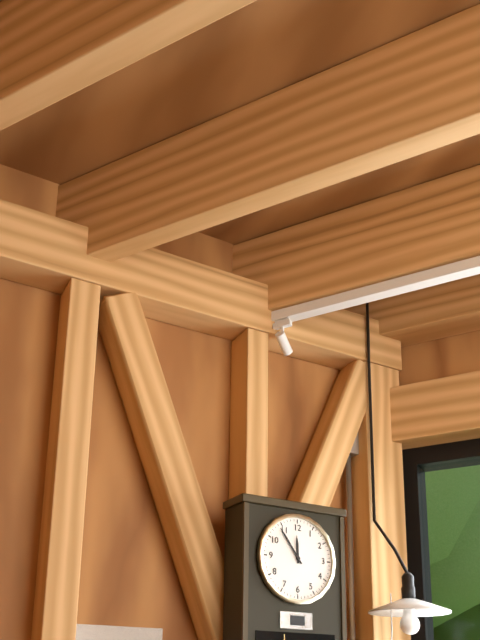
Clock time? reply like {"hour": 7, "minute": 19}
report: {"hour": 11, "minute": 54}
